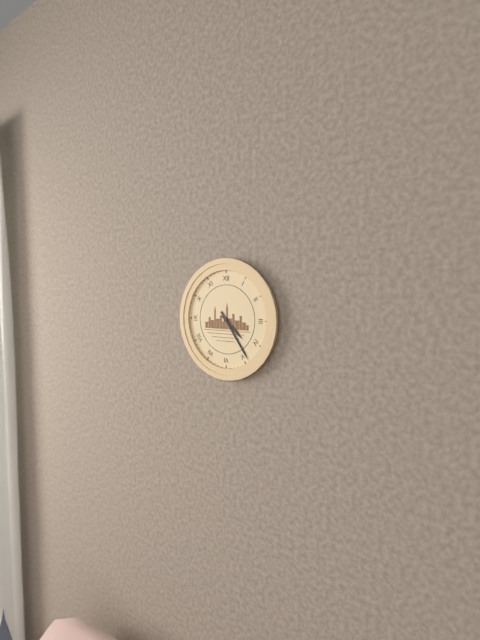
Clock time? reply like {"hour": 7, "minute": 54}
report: {"hour": 4, "minute": 24}
